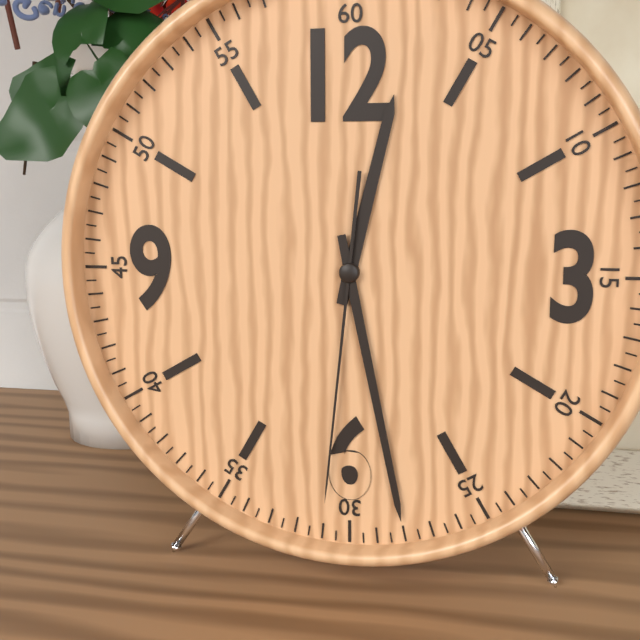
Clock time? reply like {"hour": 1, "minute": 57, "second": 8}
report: {"hour": 12, "minute": 28, "second": 31}
